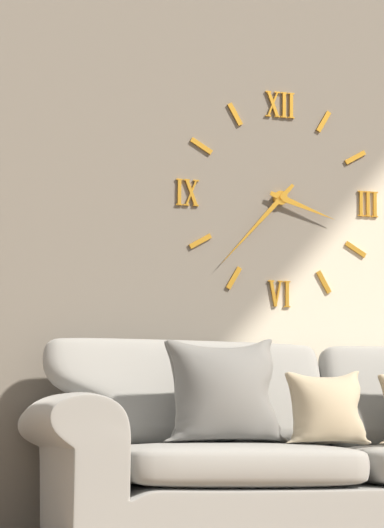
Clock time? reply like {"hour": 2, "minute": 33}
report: {"hour": 3, "minute": 37}
